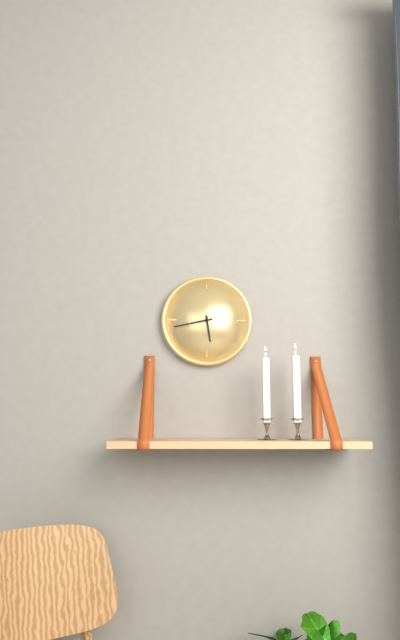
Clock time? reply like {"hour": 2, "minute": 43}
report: {"hour": 5, "minute": 43}
